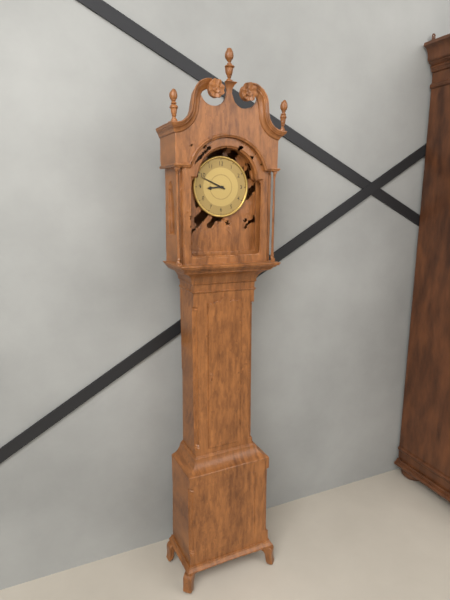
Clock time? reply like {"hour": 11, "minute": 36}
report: {"hour": 8, "minute": 49}
